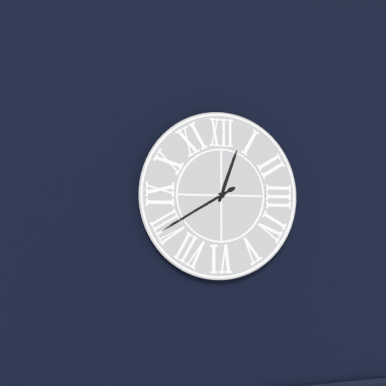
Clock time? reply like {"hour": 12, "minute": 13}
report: {"hour": 12, "minute": 40}
